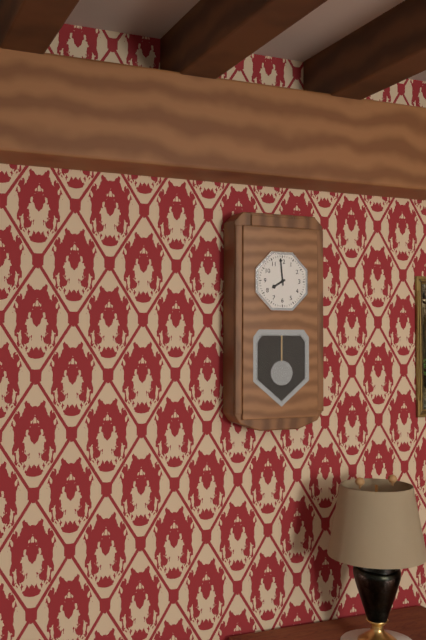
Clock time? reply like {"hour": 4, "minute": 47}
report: {"hour": 7, "minute": 59}
